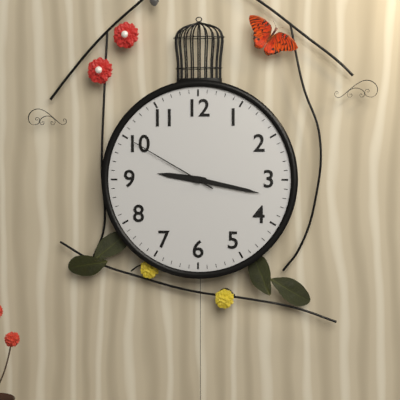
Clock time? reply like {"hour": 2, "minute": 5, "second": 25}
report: {"hour": 9, "minute": 17, "second": 50}
